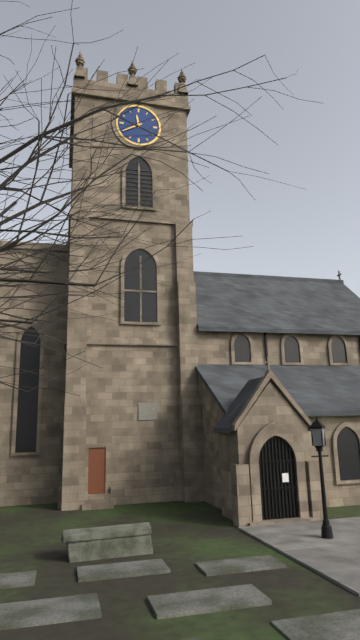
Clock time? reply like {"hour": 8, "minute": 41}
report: {"hour": 11, "minute": 40}
